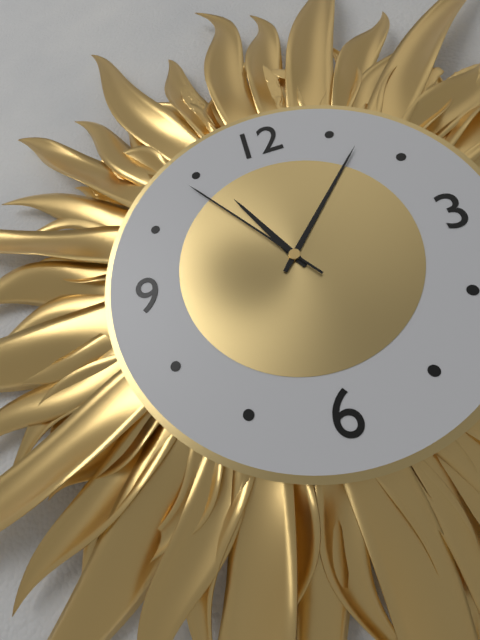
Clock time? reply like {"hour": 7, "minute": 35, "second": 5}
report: {"hour": 11, "minute": 7, "second": 54}
